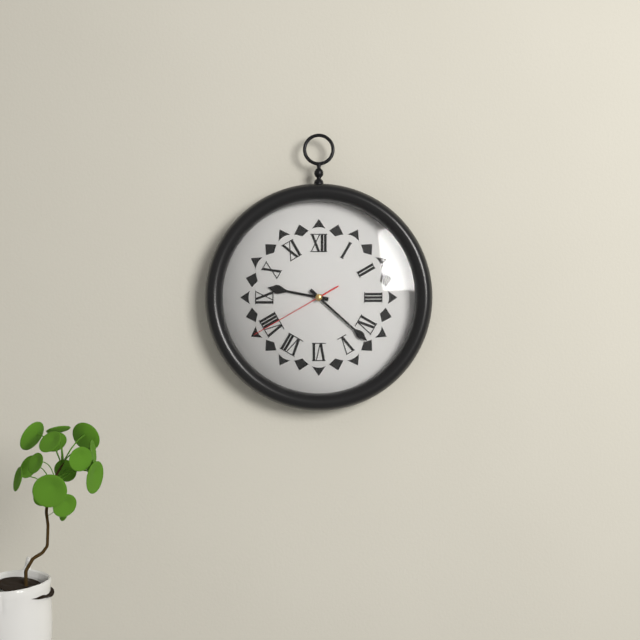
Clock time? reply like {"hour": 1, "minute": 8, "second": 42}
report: {"hour": 9, "minute": 22, "second": 40}
